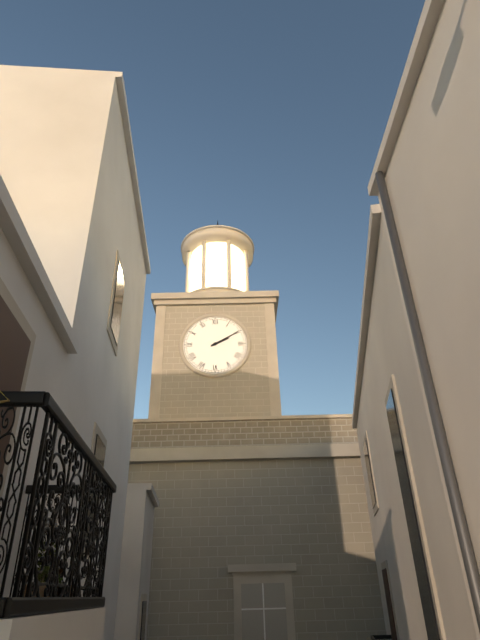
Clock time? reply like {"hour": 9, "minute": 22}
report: {"hour": 2, "minute": 10}
